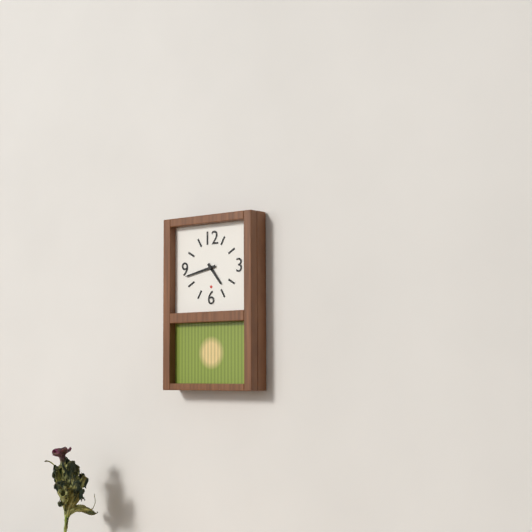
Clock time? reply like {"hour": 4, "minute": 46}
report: {"hour": 4, "minute": 43}
